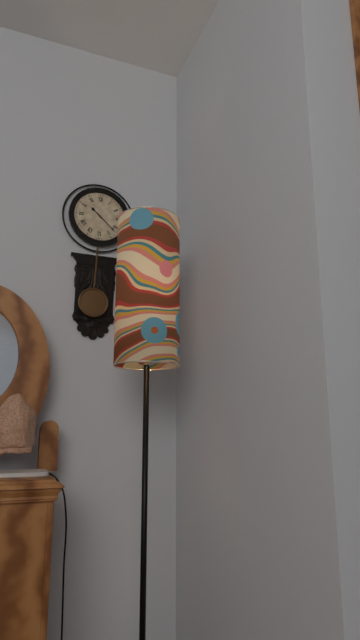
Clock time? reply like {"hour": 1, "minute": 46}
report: {"hour": 10, "minute": 22}
